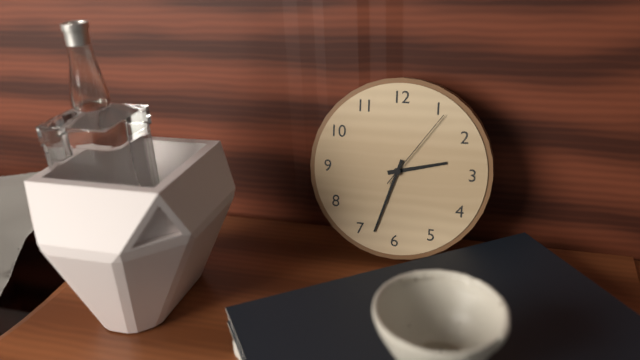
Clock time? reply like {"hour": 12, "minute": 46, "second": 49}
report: {"hour": 2, "minute": 33, "second": 6}
